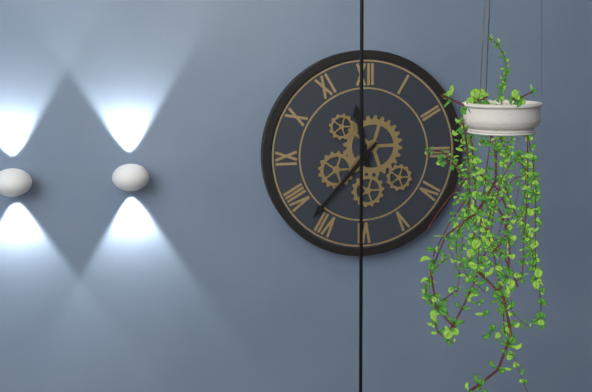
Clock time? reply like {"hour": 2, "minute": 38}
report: {"hour": 11, "minute": 37}
